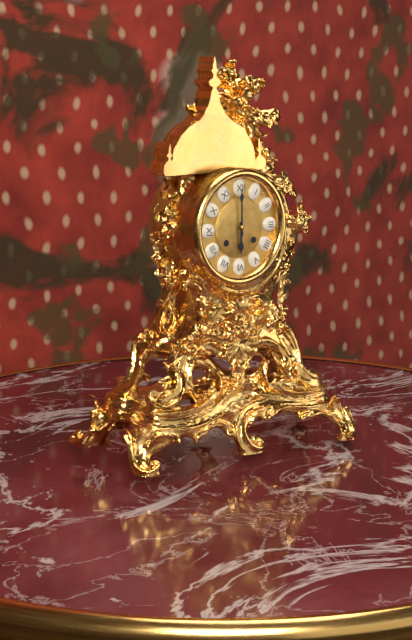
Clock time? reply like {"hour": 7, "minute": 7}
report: {"hour": 6, "minute": 0}
